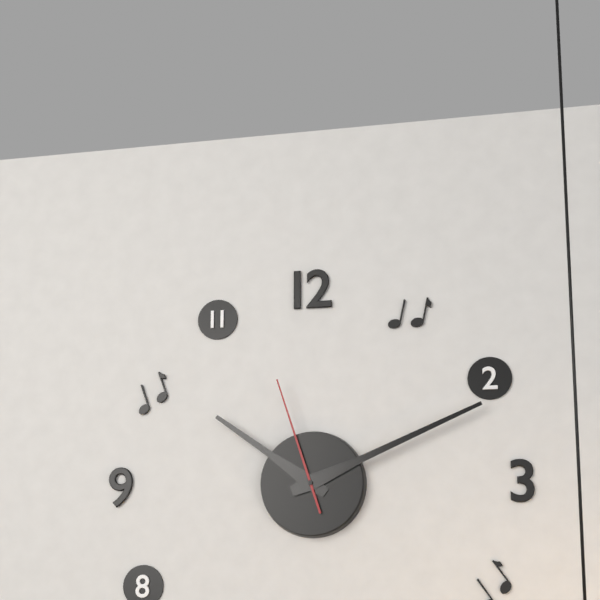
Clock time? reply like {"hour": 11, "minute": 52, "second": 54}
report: {"hour": 10, "minute": 11, "second": 57}
